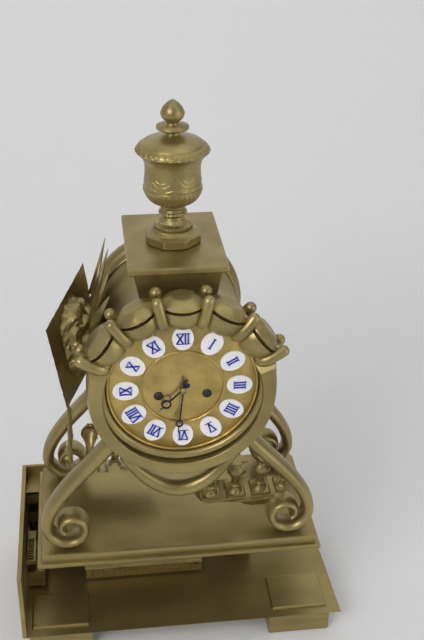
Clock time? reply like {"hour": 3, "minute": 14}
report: {"hour": 7, "minute": 31}
